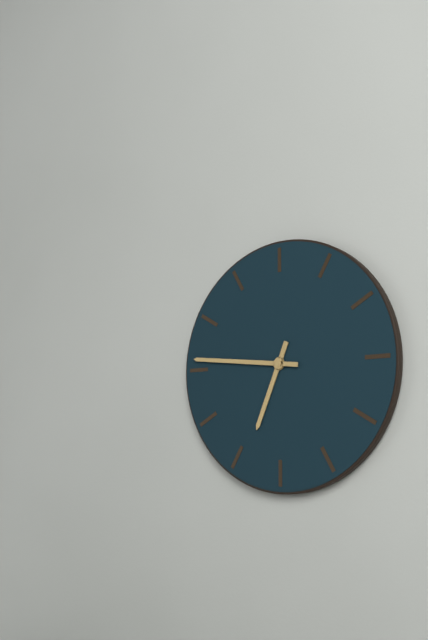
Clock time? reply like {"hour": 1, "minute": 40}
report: {"hour": 6, "minute": 46}
